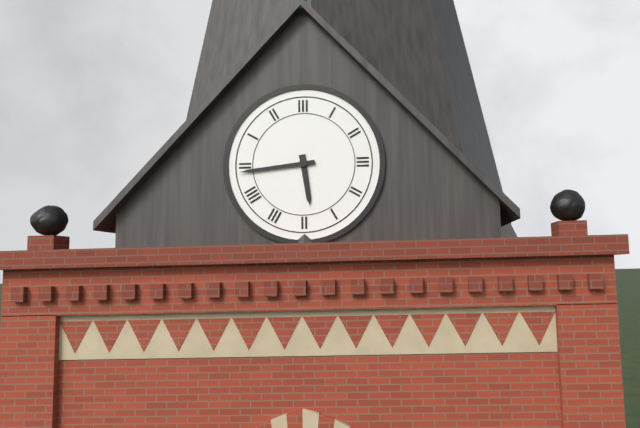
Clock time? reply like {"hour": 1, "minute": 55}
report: {"hour": 5, "minute": 44}
